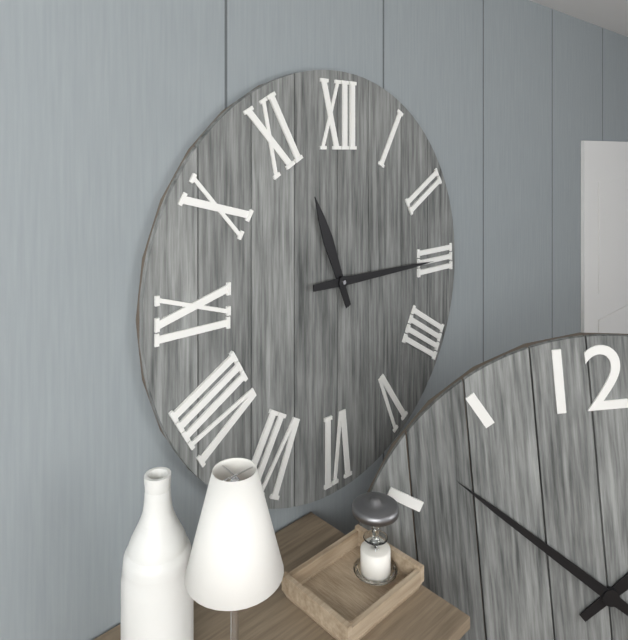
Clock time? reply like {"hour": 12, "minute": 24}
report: {"hour": 11, "minute": 15}
